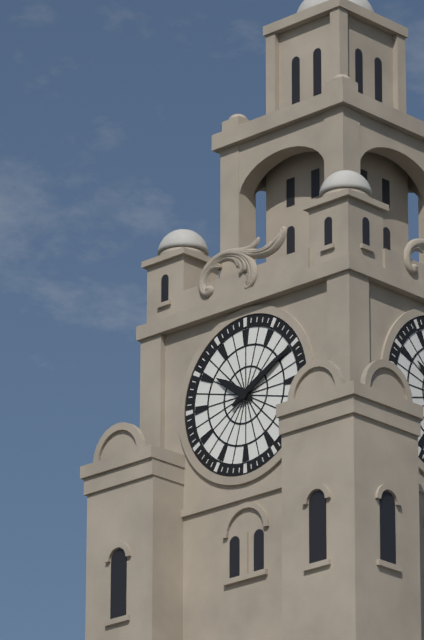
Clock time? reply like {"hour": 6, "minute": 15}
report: {"hour": 10, "minute": 10}
